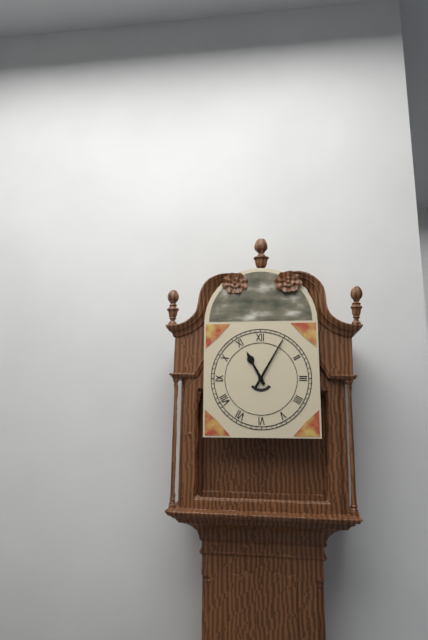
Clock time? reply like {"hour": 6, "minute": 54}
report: {"hour": 11, "minute": 5}
